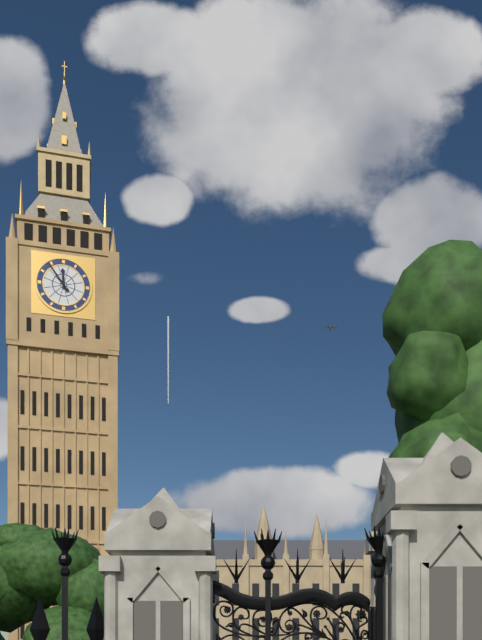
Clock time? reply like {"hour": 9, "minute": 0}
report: {"hour": 11, "minute": 54}
